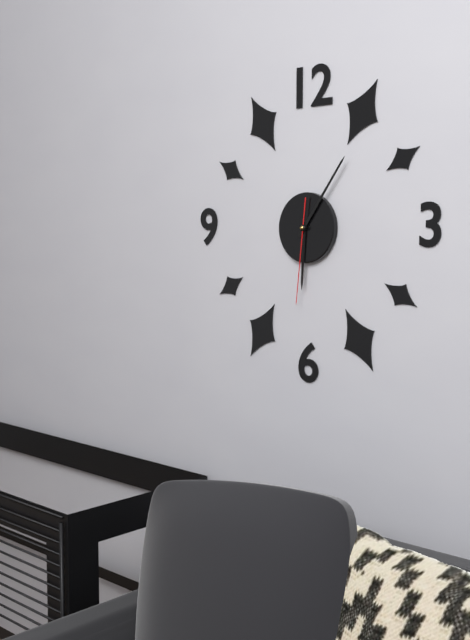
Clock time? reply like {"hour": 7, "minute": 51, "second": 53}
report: {"hour": 6, "minute": 6, "second": 31}
